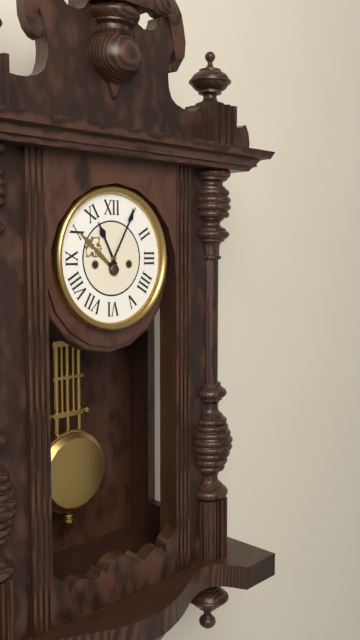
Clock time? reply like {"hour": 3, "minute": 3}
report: {"hour": 11, "minute": 5}
